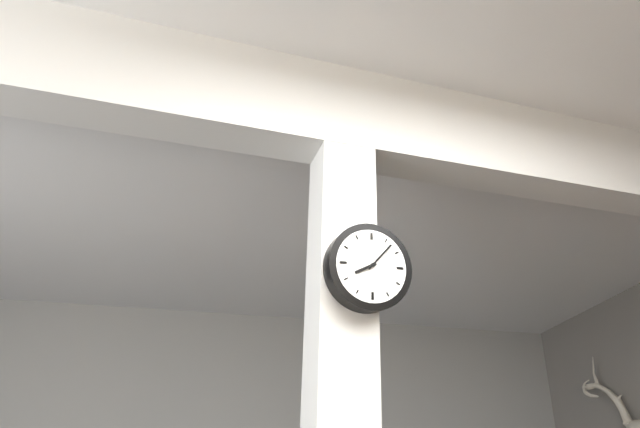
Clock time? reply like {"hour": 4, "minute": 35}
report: {"hour": 8, "minute": 7}
